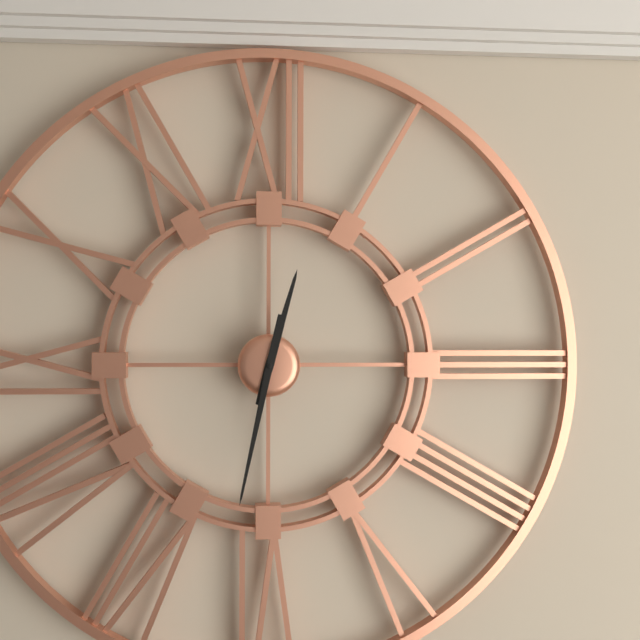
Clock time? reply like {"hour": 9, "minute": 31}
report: {"hour": 12, "minute": 32}
